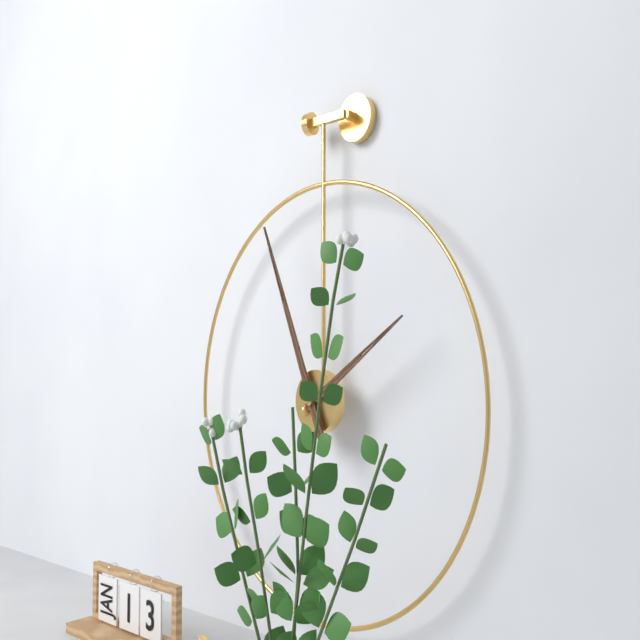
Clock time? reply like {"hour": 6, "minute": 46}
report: {"hour": 1, "minute": 56}
